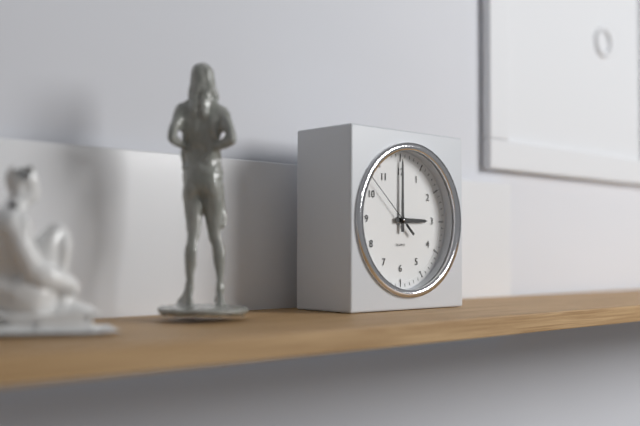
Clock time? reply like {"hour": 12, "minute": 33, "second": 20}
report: {"hour": 3, "minute": 0, "second": 52}
